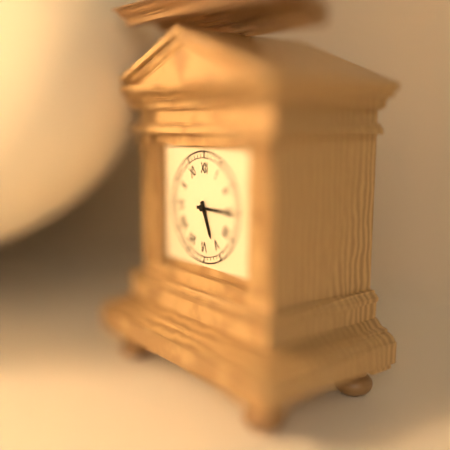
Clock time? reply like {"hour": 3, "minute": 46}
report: {"hour": 5, "minute": 15}
